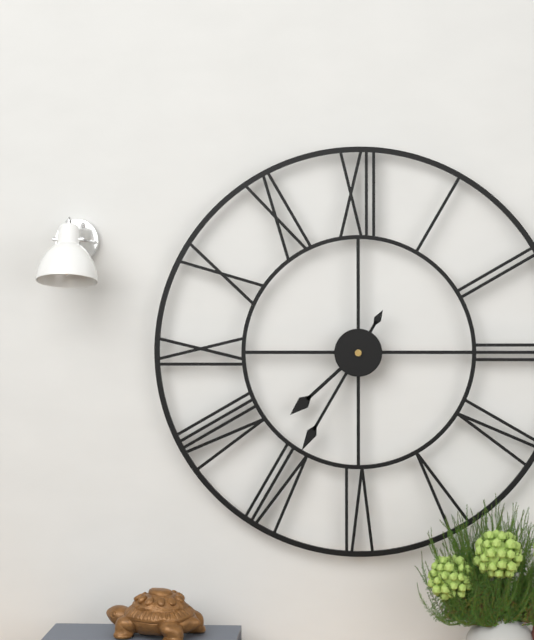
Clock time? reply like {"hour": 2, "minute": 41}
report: {"hour": 7, "minute": 35}
